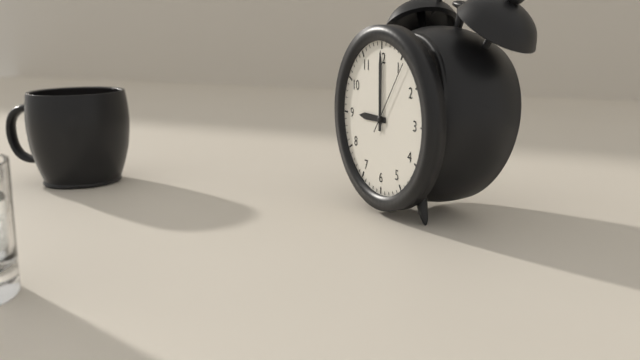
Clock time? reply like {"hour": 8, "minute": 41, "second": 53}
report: {"hour": 9, "minute": 0, "second": 6}
